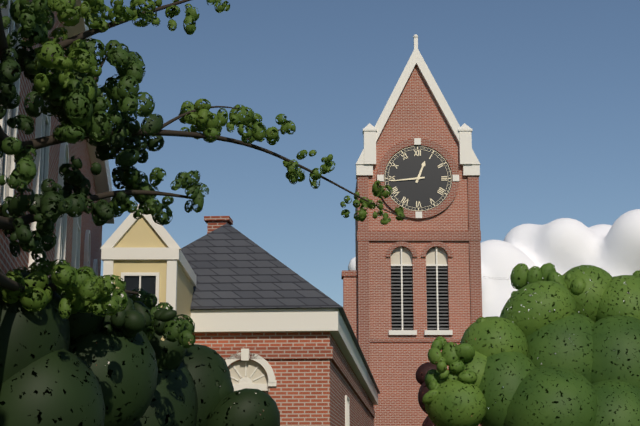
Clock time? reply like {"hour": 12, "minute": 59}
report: {"hour": 12, "minute": 44}
